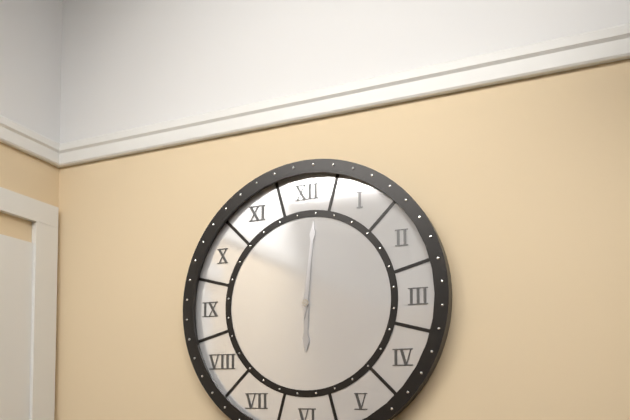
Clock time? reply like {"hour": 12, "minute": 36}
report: {"hour": 6, "minute": 1}
